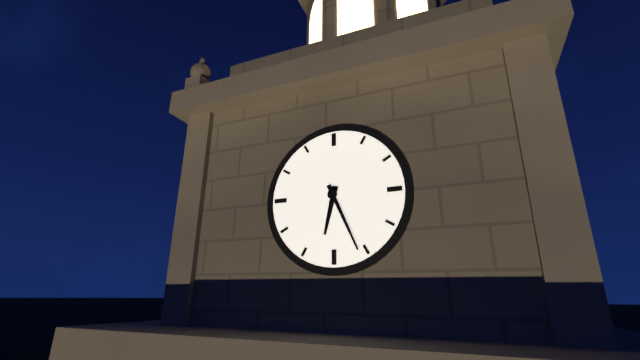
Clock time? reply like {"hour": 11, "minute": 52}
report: {"hour": 6, "minute": 26}
